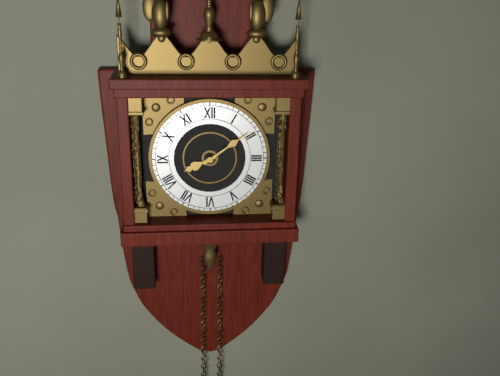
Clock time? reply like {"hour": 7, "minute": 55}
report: {"hour": 8, "minute": 9}
